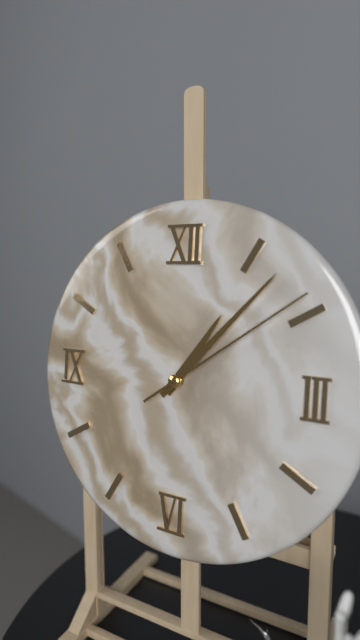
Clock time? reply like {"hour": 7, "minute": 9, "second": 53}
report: {"hour": 1, "minute": 7, "second": 9}
